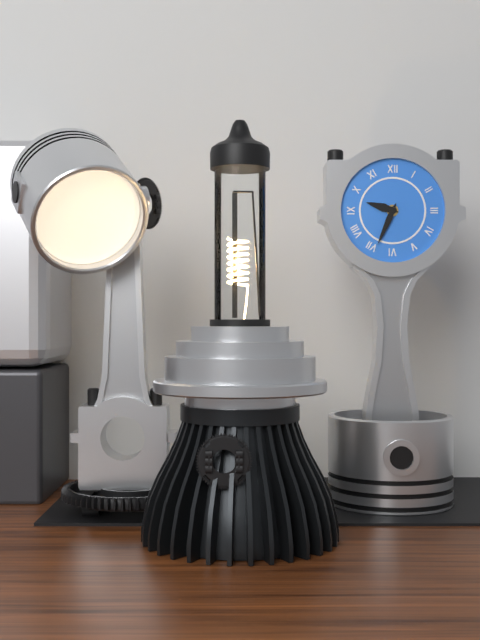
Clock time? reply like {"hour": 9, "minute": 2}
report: {"hour": 9, "minute": 34}
